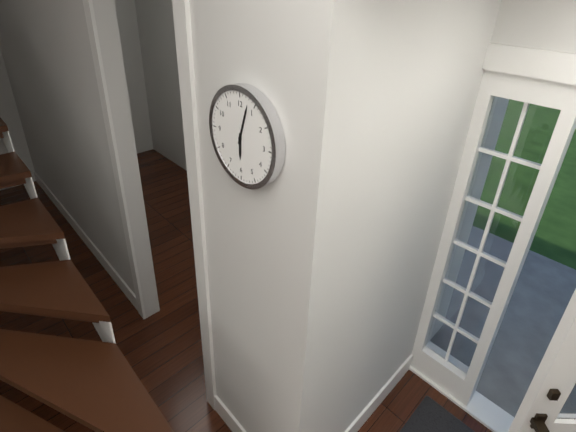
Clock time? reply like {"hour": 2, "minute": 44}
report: {"hour": 6, "minute": 3}
